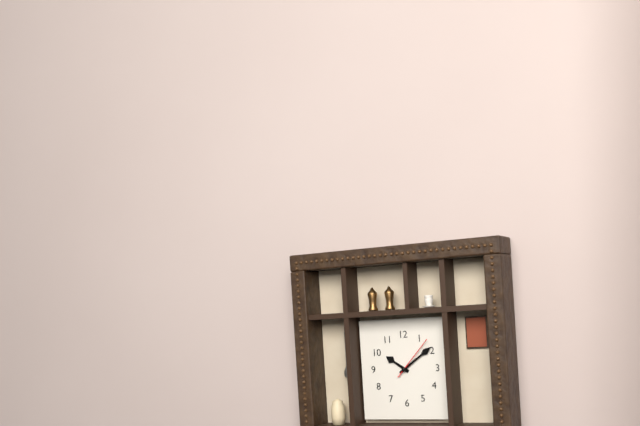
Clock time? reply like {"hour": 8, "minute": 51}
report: {"hour": 10, "minute": 9}
